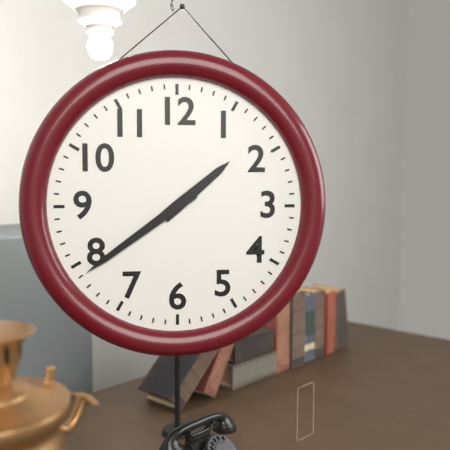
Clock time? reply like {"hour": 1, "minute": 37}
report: {"hour": 1, "minute": 39}
